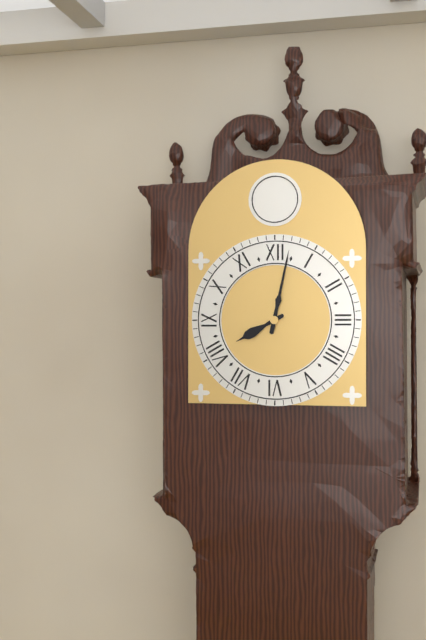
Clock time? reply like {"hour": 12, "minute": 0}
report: {"hour": 8, "minute": 2}
